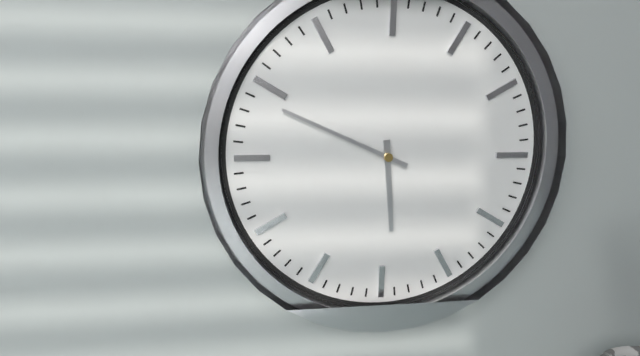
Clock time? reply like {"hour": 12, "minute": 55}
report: {"hour": 5, "minute": 49}
